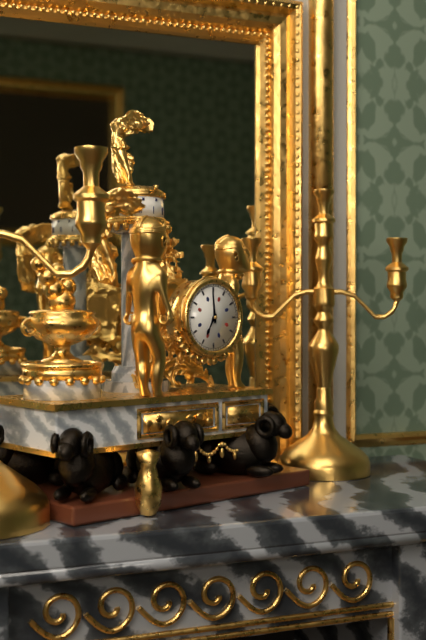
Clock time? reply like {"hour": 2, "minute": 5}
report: {"hour": 6, "minute": 59}
